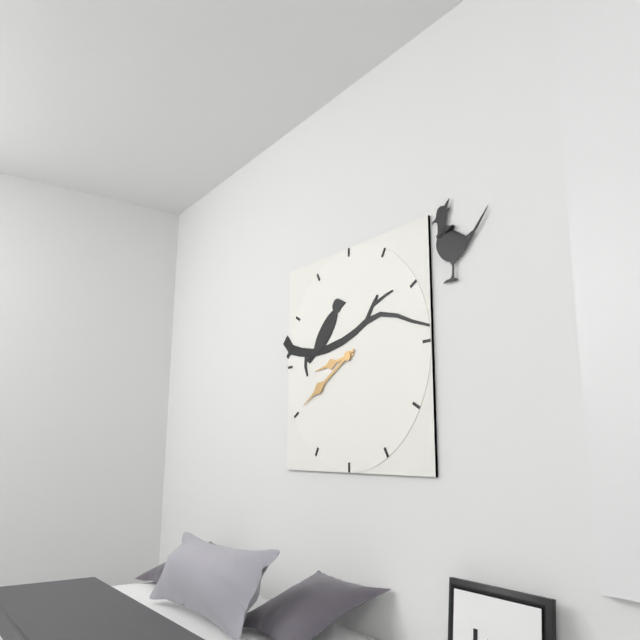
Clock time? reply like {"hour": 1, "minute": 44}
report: {"hour": 8, "minute": 40}
